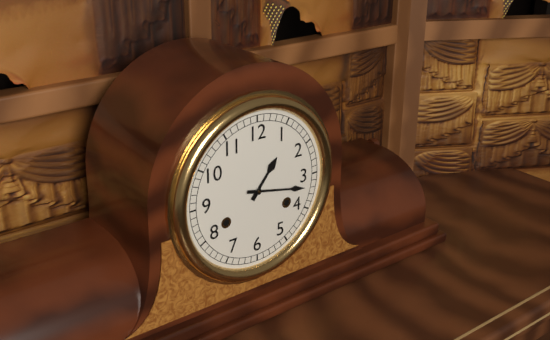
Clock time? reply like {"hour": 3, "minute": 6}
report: {"hour": 1, "minute": 17}
